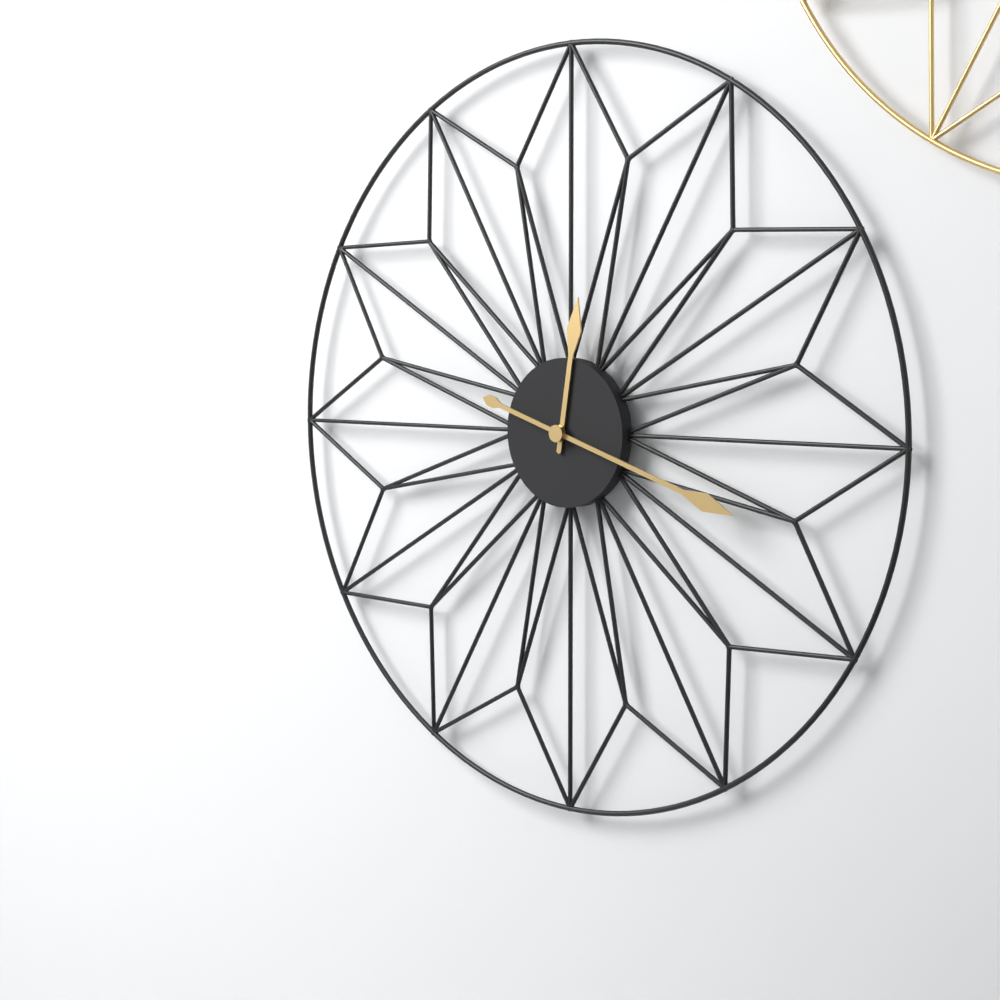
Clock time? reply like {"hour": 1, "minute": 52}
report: {"hour": 12, "minute": 18}
